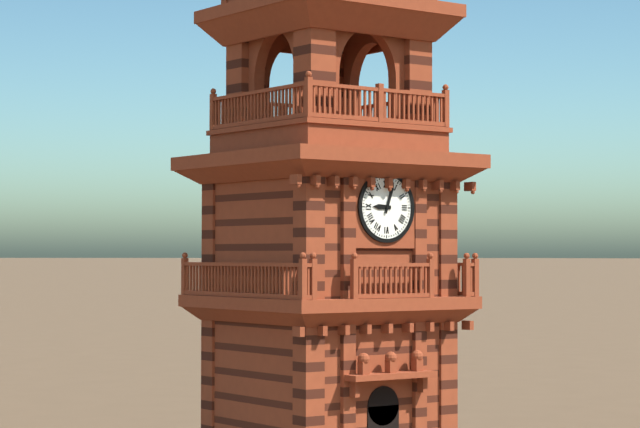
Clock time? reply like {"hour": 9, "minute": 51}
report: {"hour": 9, "minute": 3}
